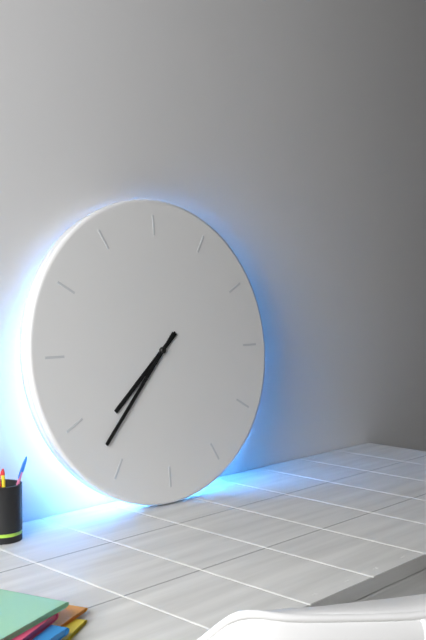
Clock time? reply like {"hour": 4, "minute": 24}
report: {"hour": 7, "minute": 37}
